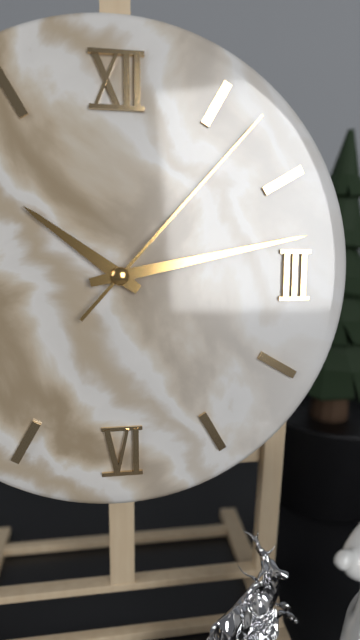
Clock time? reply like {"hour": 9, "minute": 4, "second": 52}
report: {"hour": 10, "minute": 13, "second": 7}
